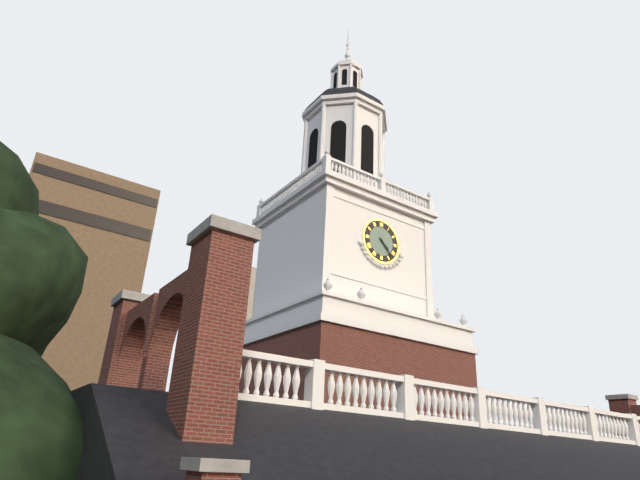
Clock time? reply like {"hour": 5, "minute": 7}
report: {"hour": 4, "minute": 23}
